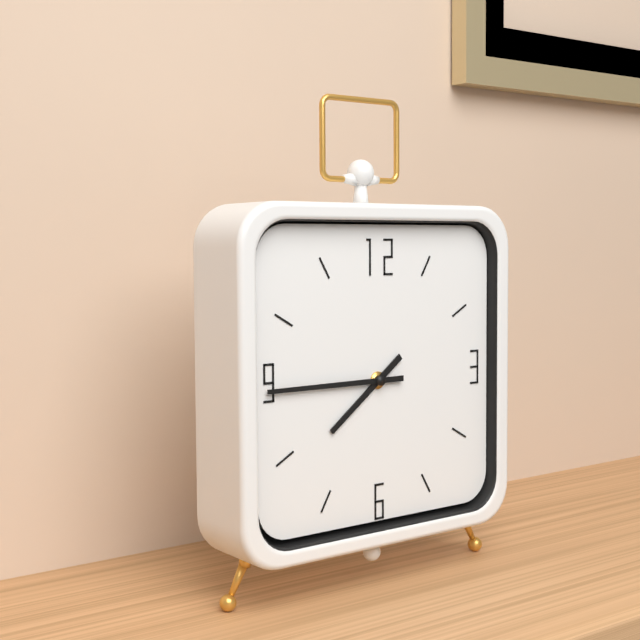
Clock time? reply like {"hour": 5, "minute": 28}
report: {"hour": 7, "minute": 45}
